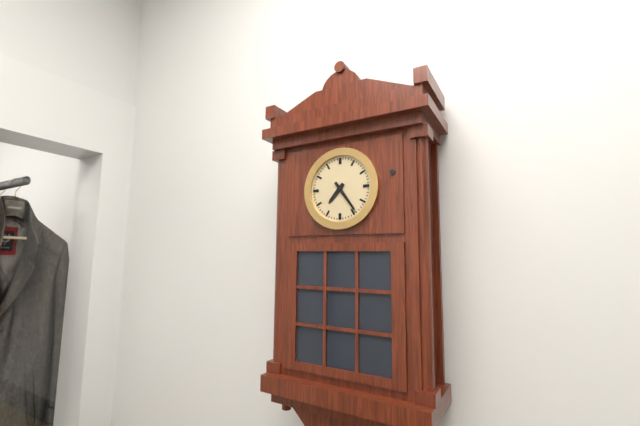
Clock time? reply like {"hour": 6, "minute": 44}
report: {"hour": 7, "minute": 24}
